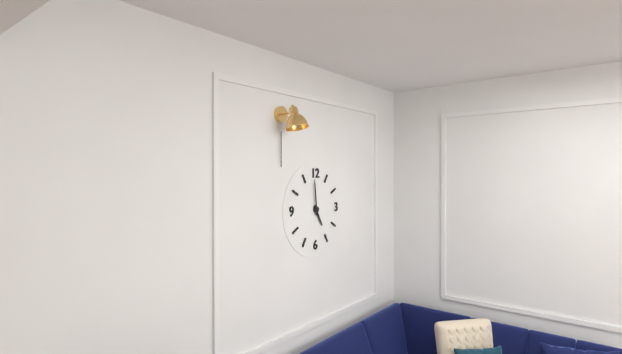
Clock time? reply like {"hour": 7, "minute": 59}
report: {"hour": 4, "minute": 59}
